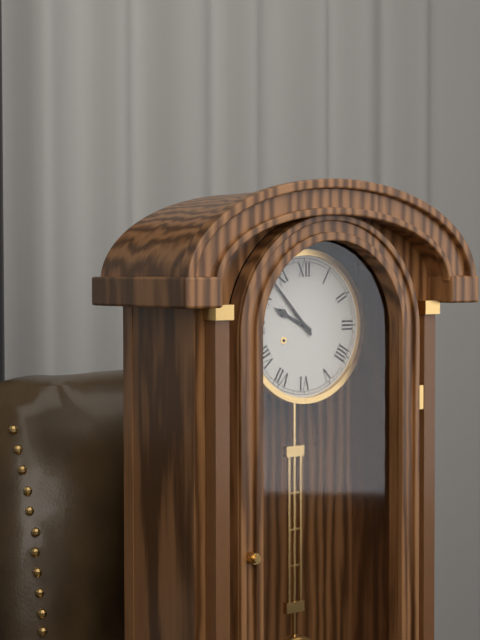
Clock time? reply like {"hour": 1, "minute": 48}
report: {"hour": 9, "minute": 53}
